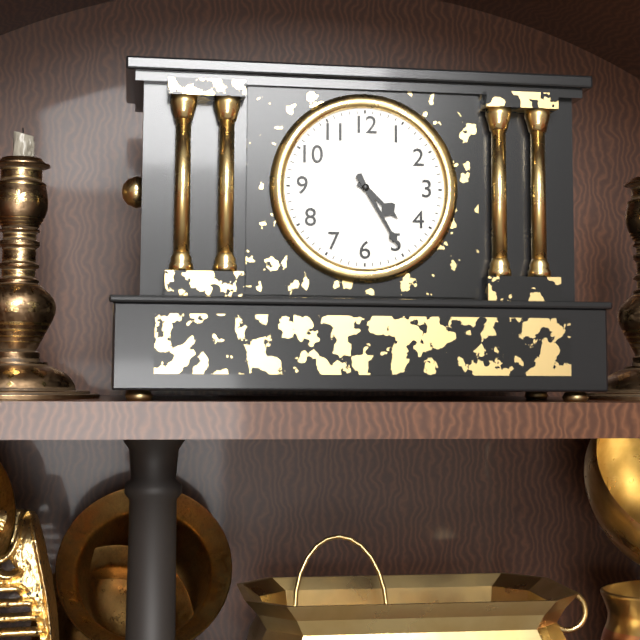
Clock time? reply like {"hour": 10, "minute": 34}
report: {"hour": 4, "minute": 25}
